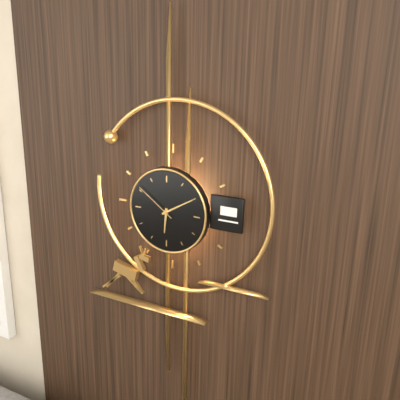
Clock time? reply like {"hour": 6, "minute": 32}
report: {"hour": 6, "minute": 10}
